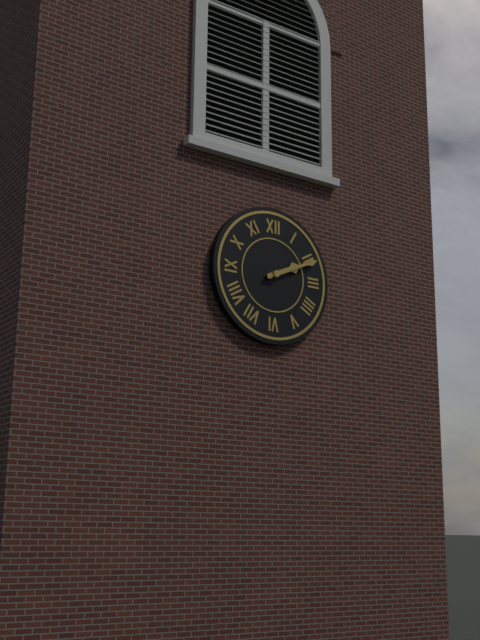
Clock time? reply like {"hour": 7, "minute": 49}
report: {"hour": 2, "minute": 11}
